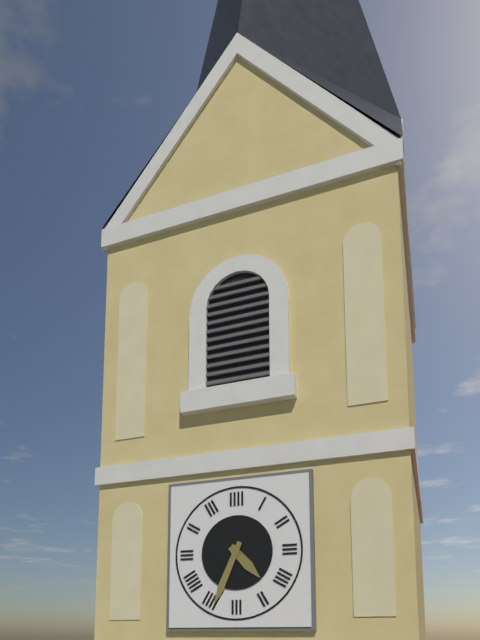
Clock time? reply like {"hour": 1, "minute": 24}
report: {"hour": 4, "minute": 34}
